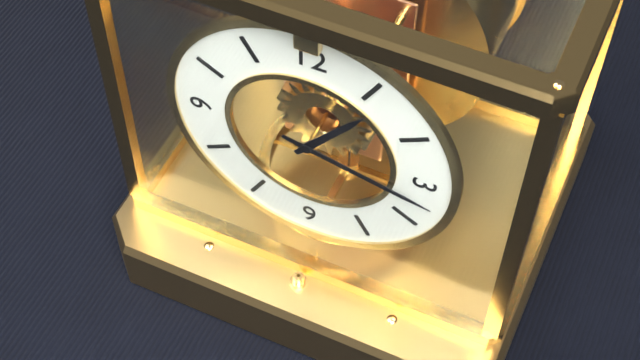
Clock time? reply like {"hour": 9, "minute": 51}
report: {"hour": 1, "minute": 17}
